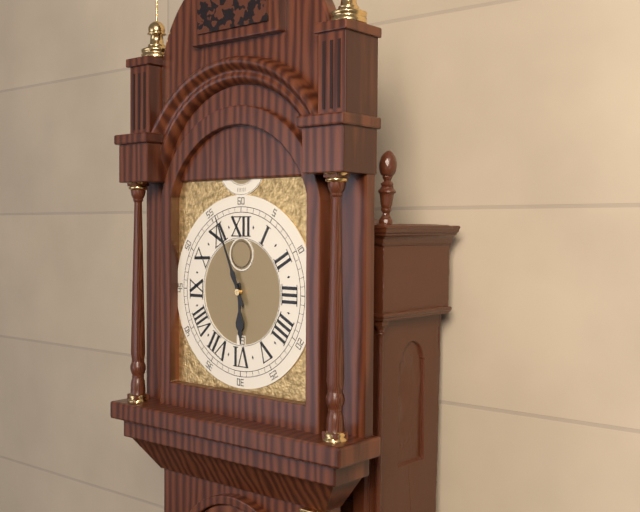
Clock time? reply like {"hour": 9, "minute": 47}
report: {"hour": 5, "minute": 56}
